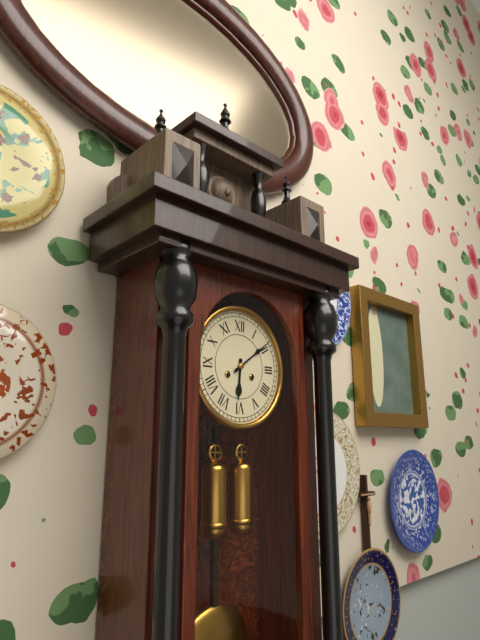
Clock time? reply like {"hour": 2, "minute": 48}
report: {"hour": 6, "minute": 9}
